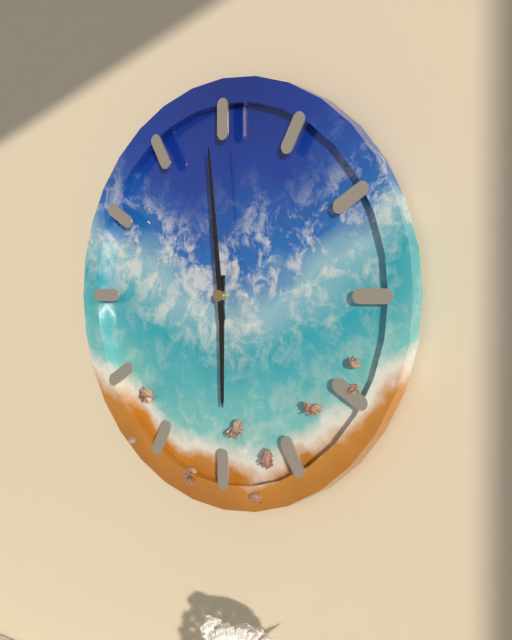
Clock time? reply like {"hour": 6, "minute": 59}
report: {"hour": 5, "minute": 59}
